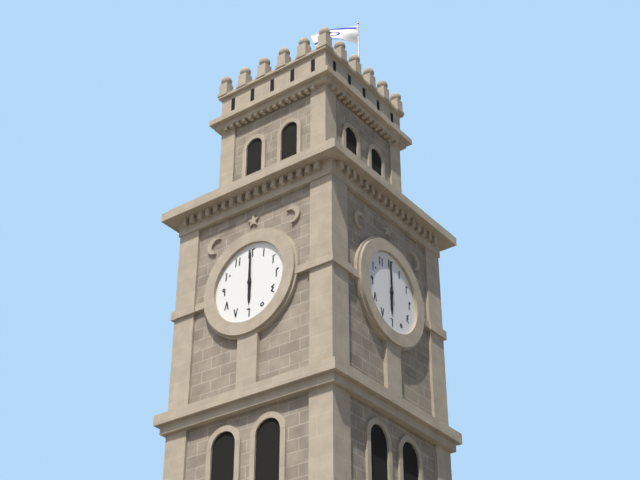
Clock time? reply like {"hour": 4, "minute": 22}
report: {"hour": 6, "minute": 0}
